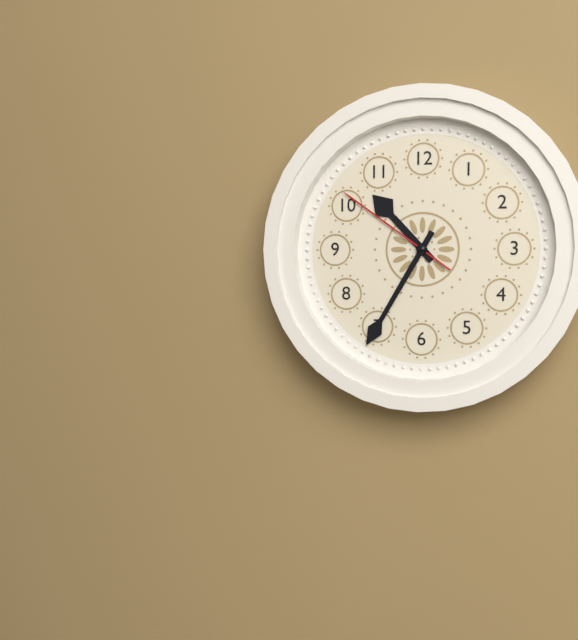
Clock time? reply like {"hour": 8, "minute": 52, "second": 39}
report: {"hour": 10, "minute": 35, "second": 51}
